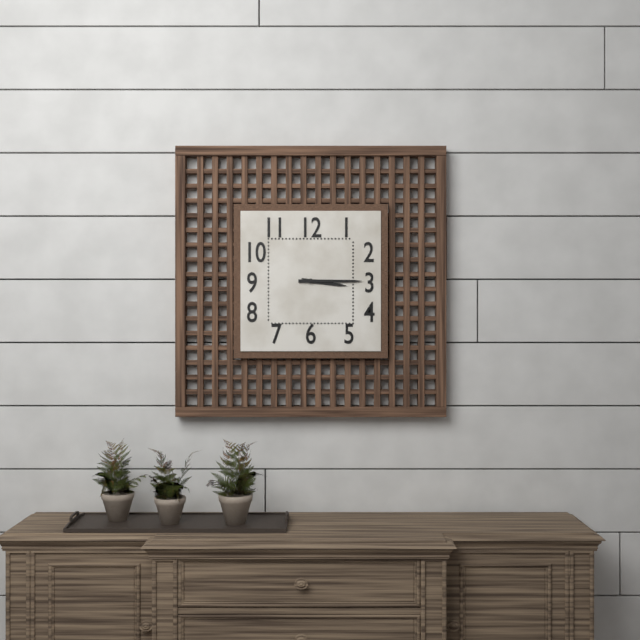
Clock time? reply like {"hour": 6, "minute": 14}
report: {"hour": 3, "minute": 15}
